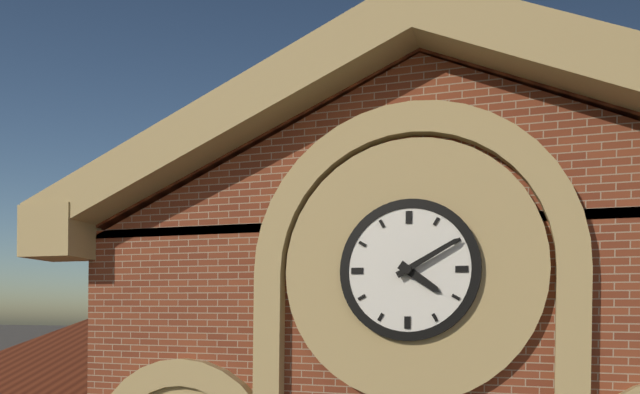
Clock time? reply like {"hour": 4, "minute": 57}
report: {"hour": 4, "minute": 10}
